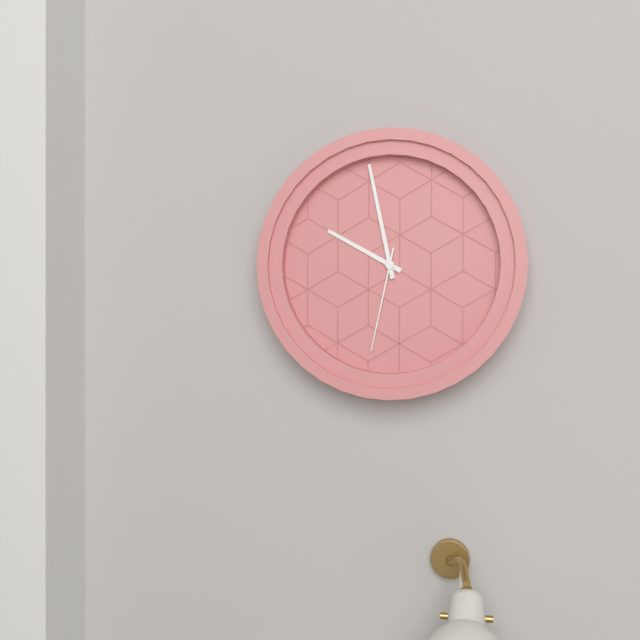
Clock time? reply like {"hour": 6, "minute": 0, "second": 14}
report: {"hour": 9, "minute": 58, "second": 32}
